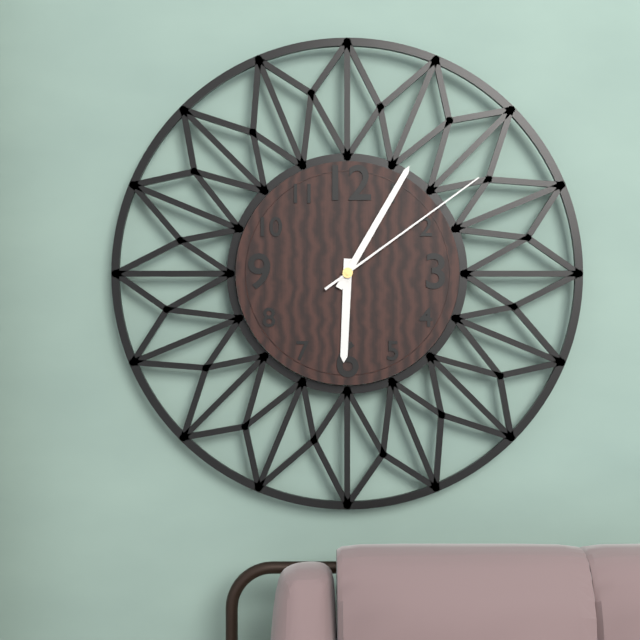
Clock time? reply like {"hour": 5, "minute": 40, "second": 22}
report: {"hour": 6, "minute": 5, "second": 9}
